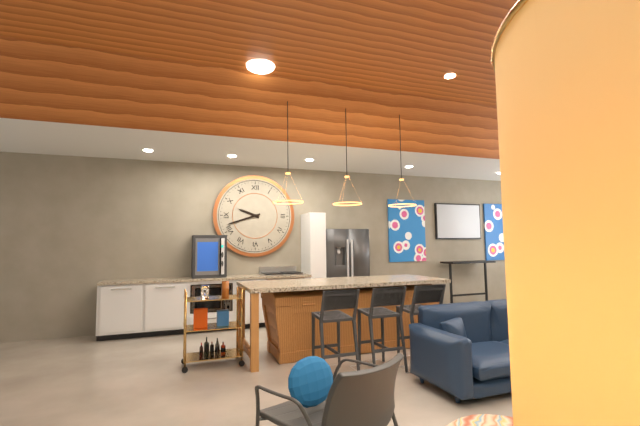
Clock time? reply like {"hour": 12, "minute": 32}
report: {"hour": 9, "minute": 42}
